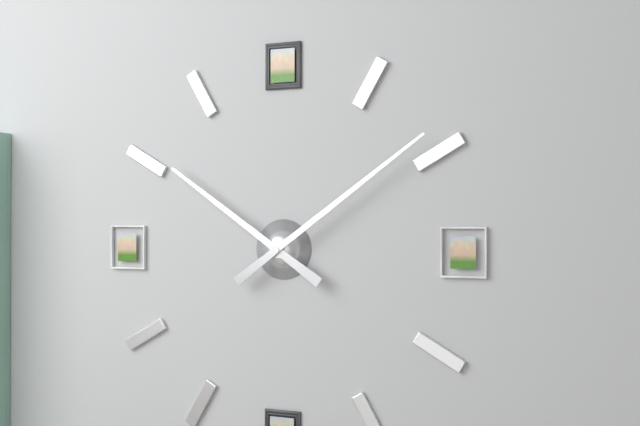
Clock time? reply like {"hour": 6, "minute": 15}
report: {"hour": 10, "minute": 9}
